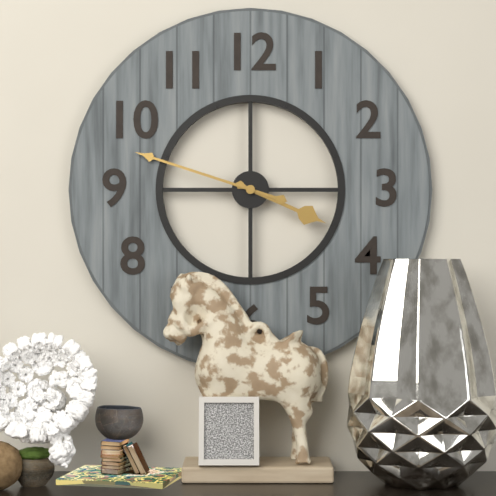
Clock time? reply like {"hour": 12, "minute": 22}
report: {"hour": 3, "minute": 48}
